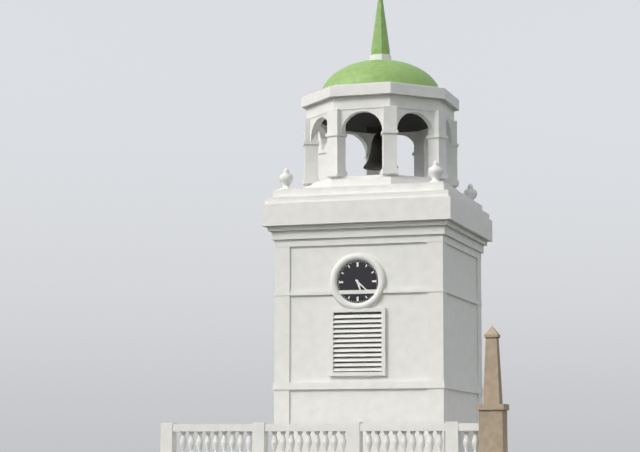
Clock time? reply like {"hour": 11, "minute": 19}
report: {"hour": 5, "minute": 22}
